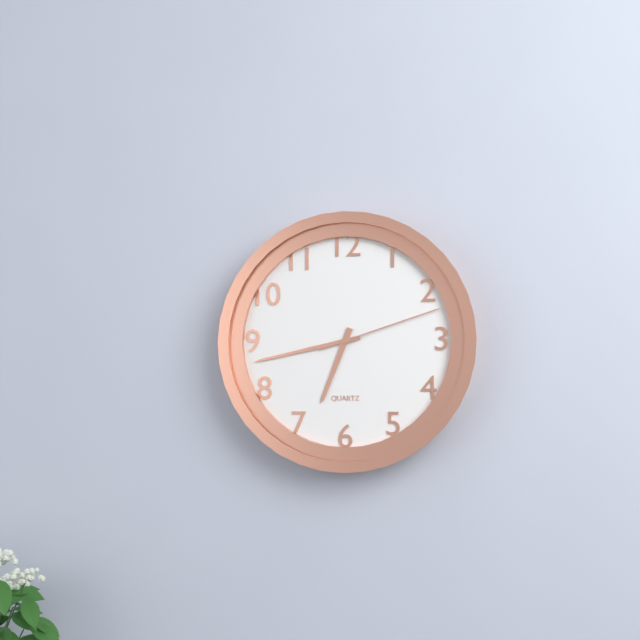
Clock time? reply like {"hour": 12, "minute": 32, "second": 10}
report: {"hour": 6, "minute": 43, "second": 12}
